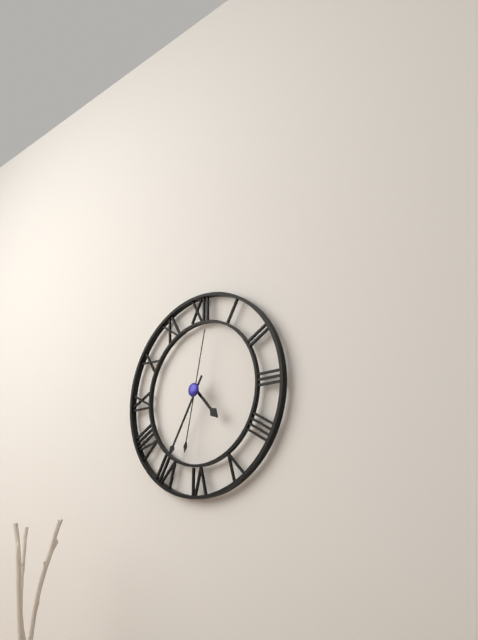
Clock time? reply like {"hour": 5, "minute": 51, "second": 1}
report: {"hour": 4, "minute": 35, "second": 2}
